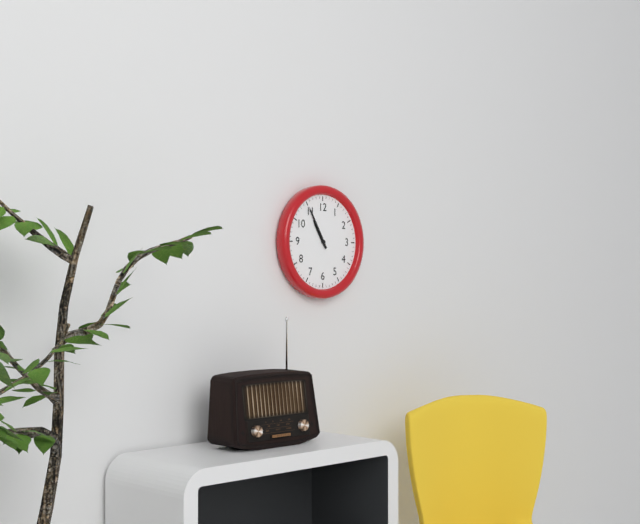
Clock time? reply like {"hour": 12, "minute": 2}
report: {"hour": 10, "minute": 55}
